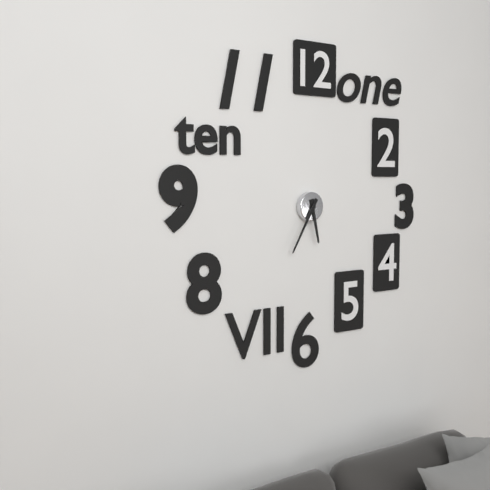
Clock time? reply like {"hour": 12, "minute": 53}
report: {"hour": 5, "minute": 35}
